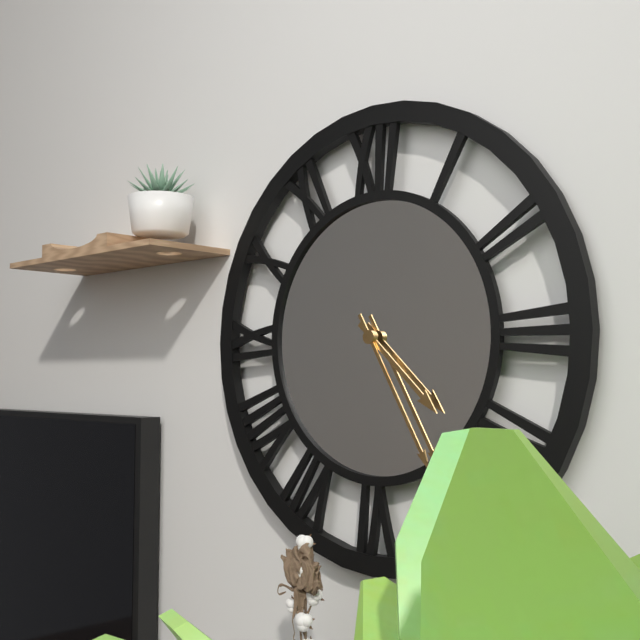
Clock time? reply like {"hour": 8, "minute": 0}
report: {"hour": 4, "minute": 25}
